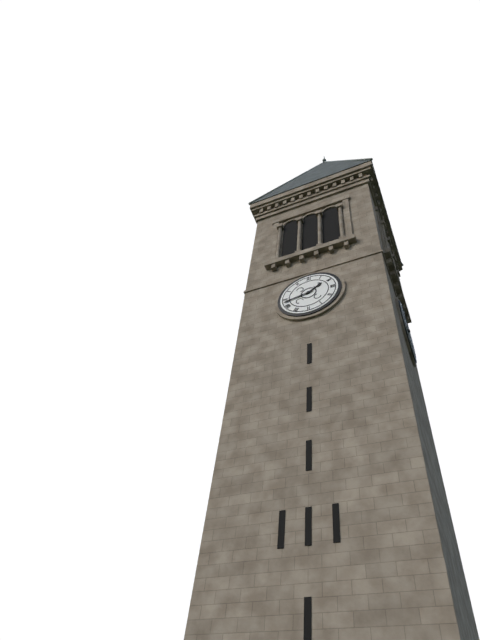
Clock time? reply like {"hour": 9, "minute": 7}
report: {"hour": 1, "minute": 43}
